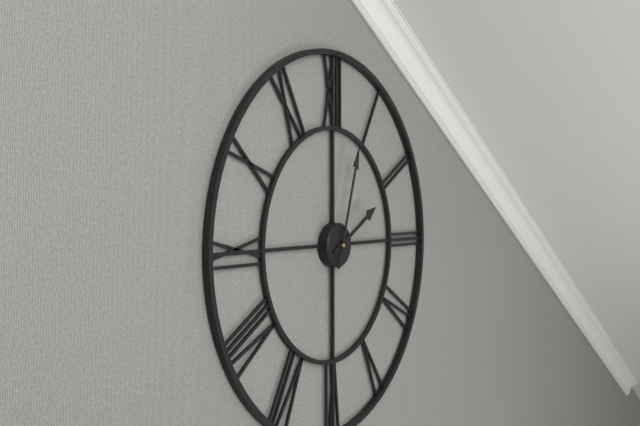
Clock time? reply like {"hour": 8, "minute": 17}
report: {"hour": 2, "minute": 3}
